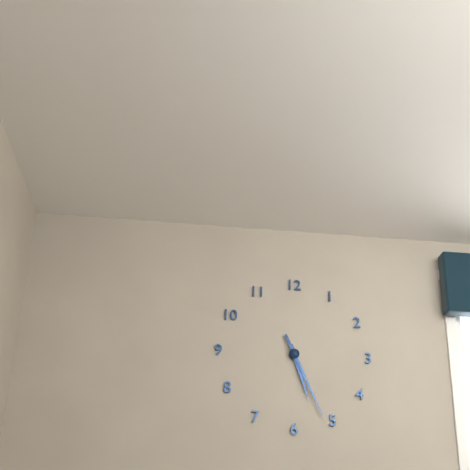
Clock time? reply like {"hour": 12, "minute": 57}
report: {"hour": 5, "minute": 26}
